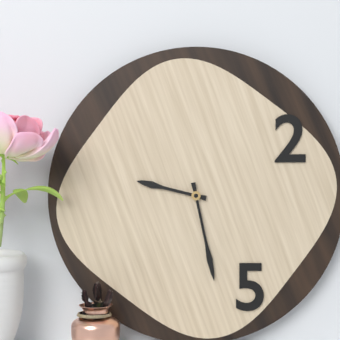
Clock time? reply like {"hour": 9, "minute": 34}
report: {"hour": 9, "minute": 28}
